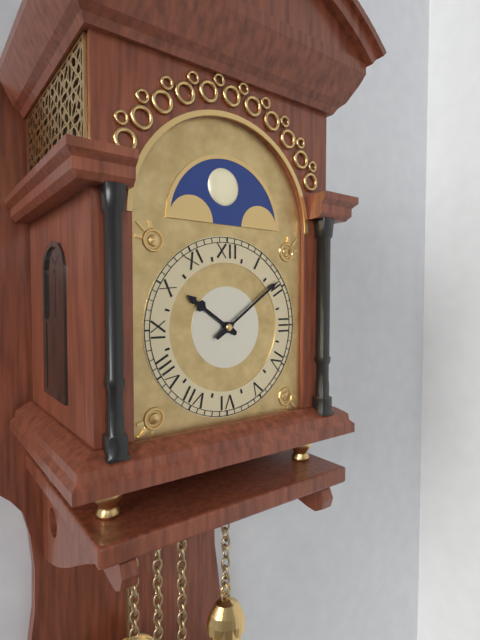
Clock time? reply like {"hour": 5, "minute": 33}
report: {"hour": 10, "minute": 9}
